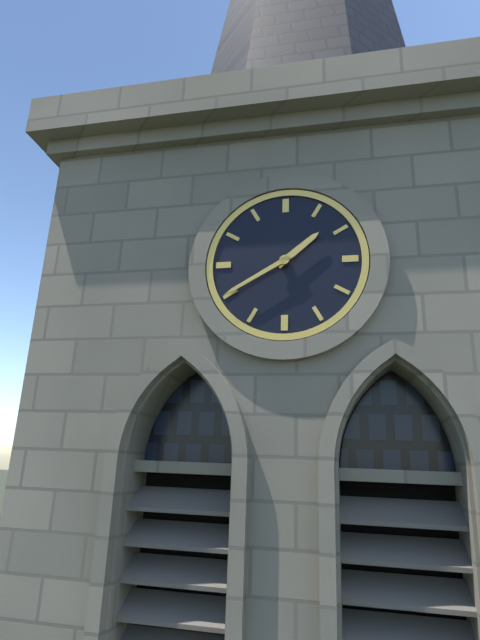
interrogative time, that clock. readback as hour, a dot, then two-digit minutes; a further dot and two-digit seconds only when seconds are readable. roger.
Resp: 1.40
